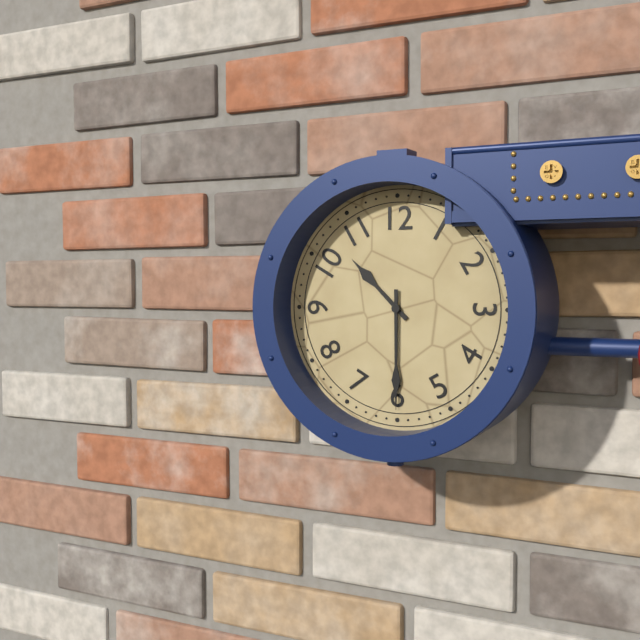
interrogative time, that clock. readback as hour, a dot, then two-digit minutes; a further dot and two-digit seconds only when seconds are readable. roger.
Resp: 10.30
